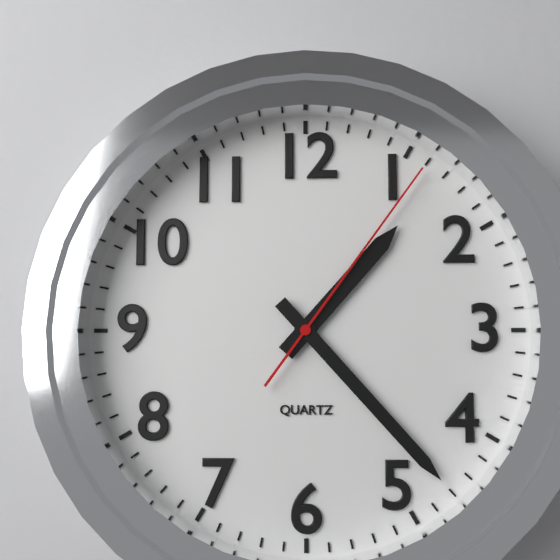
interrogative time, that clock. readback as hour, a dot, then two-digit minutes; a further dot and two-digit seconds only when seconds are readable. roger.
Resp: 1.23.06
